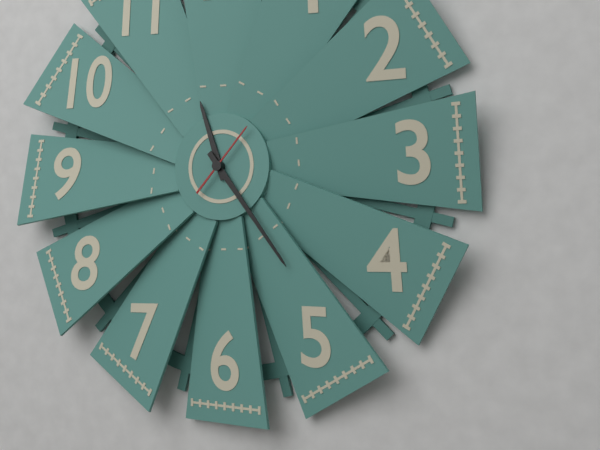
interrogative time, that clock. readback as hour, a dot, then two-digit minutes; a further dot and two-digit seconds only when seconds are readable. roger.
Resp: 11.24.07
